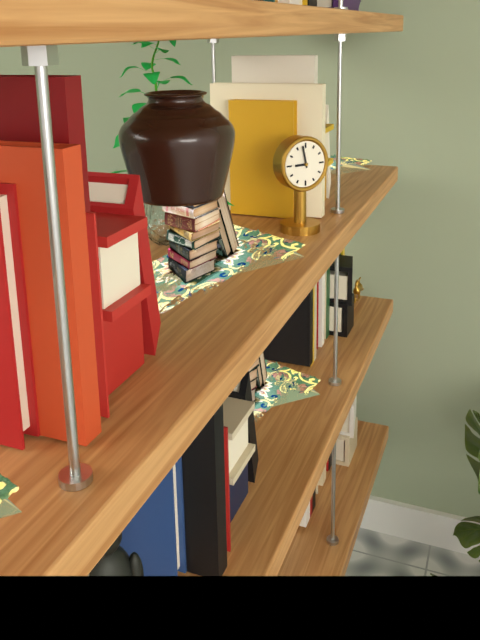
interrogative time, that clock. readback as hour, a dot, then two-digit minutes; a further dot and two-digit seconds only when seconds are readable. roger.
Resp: 8.58
